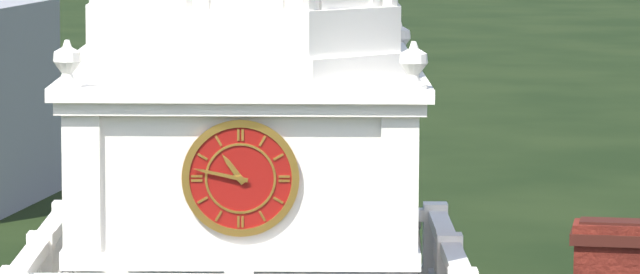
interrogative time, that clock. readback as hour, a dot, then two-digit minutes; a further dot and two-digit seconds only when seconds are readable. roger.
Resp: 10.47
